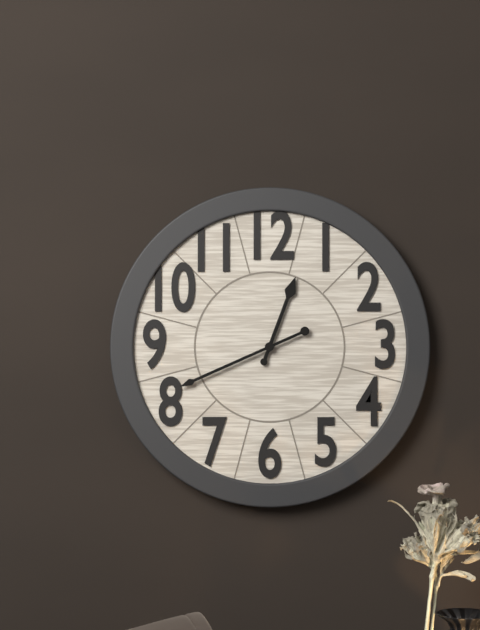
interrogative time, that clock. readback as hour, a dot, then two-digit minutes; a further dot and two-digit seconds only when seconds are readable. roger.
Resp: 12.41
